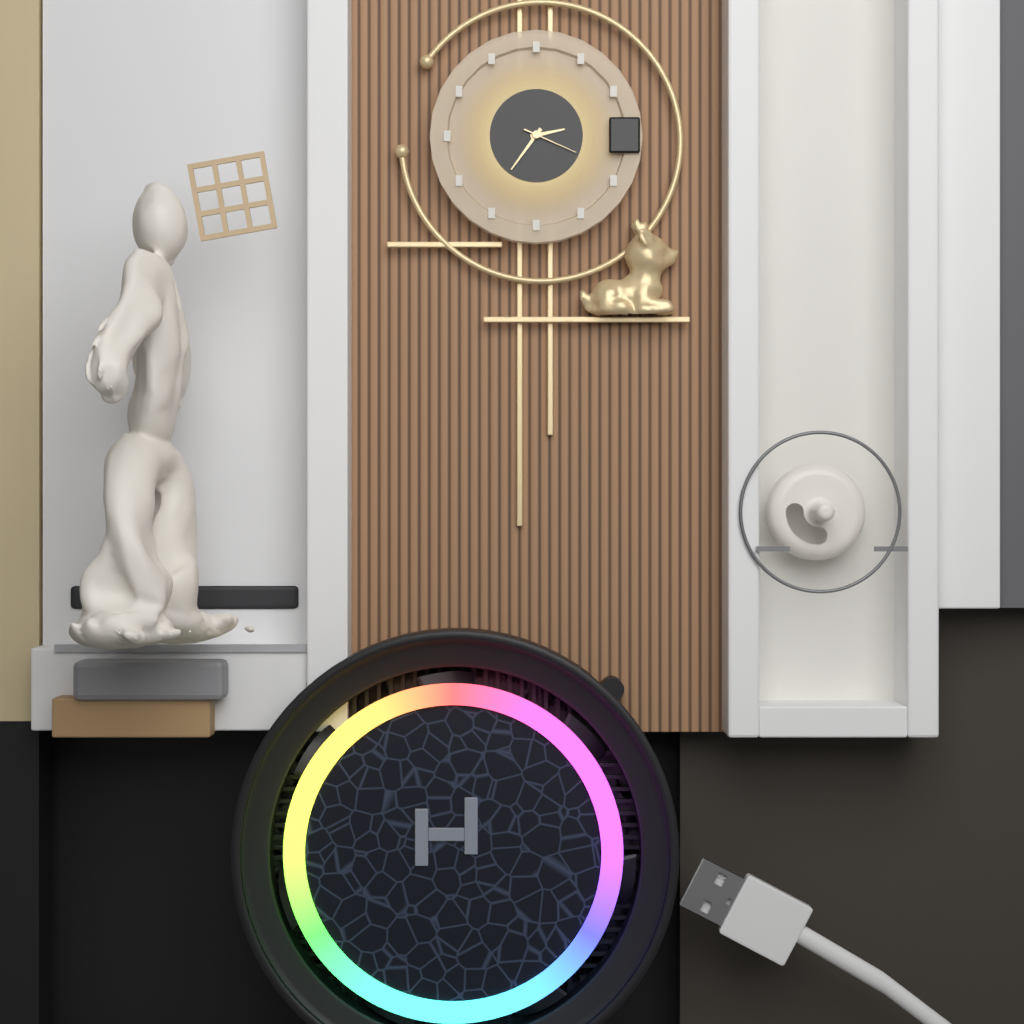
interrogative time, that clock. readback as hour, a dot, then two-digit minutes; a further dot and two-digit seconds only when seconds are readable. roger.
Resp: 2.36.19
